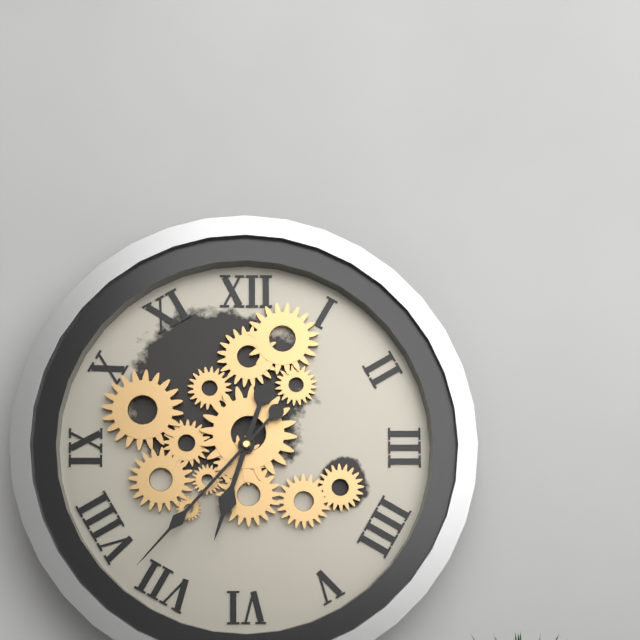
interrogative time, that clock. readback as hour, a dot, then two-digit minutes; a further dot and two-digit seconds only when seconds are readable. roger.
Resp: 6.37
